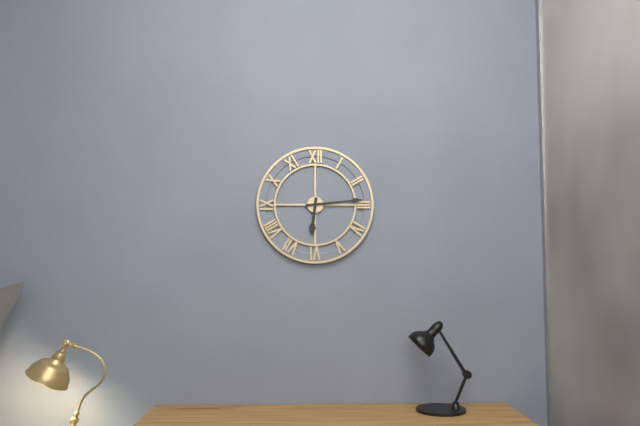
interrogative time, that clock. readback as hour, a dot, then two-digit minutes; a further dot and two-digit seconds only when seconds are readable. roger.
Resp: 6.14
